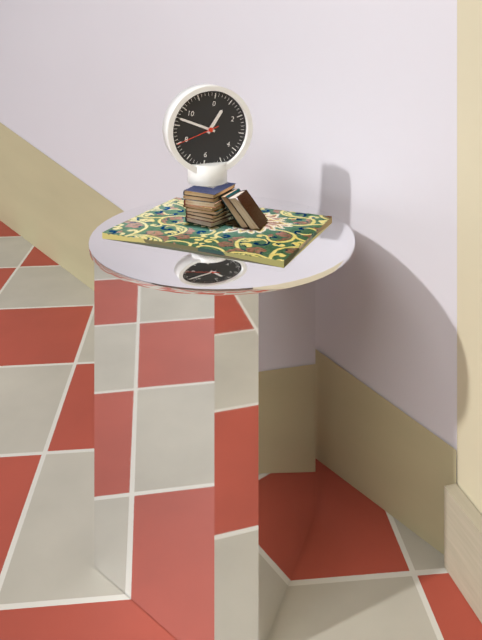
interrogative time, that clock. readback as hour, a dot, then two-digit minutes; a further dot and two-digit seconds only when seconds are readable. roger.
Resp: 12.47
